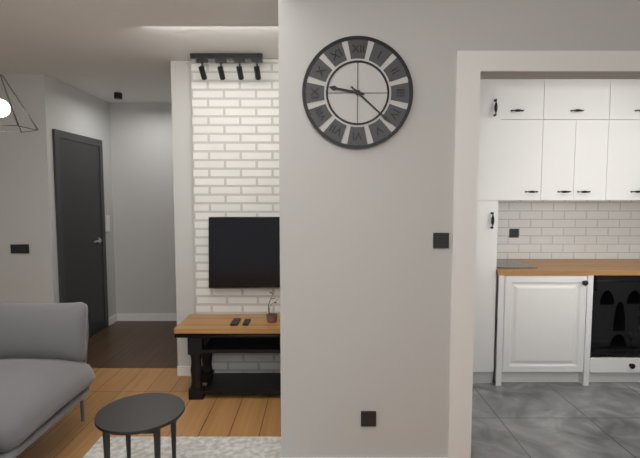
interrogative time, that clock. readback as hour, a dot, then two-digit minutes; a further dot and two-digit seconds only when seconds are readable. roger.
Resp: 9.22
